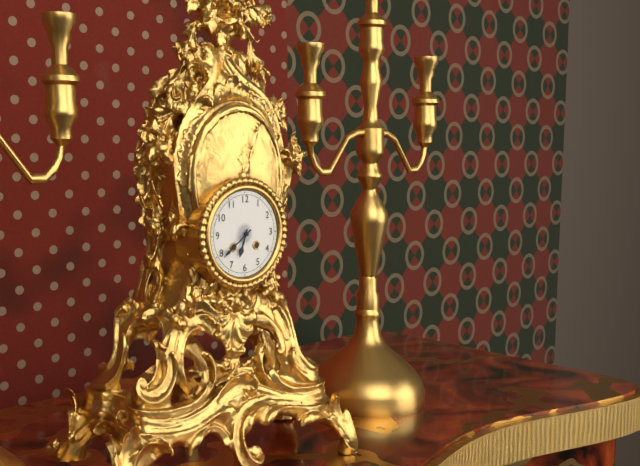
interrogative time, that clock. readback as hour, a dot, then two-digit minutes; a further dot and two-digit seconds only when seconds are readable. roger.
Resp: 6.39
